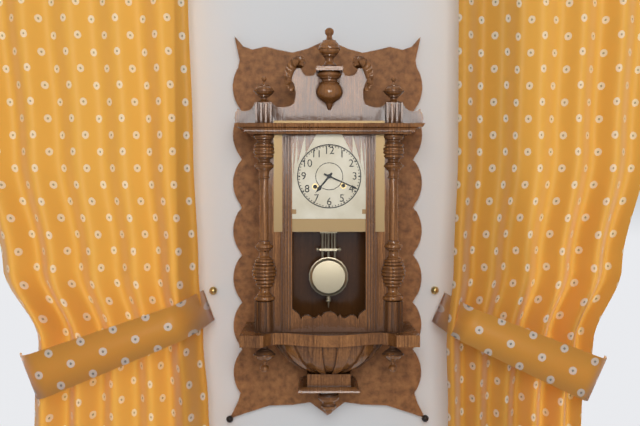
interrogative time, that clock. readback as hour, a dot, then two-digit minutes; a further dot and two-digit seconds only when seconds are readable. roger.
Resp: 7.19
